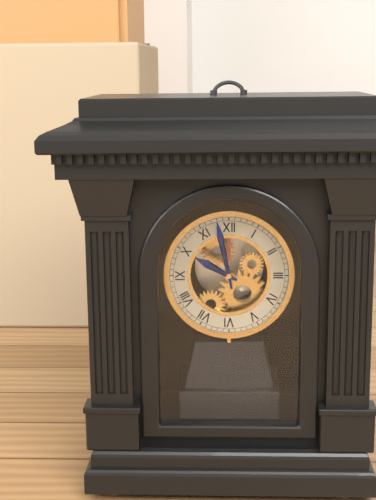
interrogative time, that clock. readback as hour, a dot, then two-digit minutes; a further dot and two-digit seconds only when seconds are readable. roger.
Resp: 9.58
